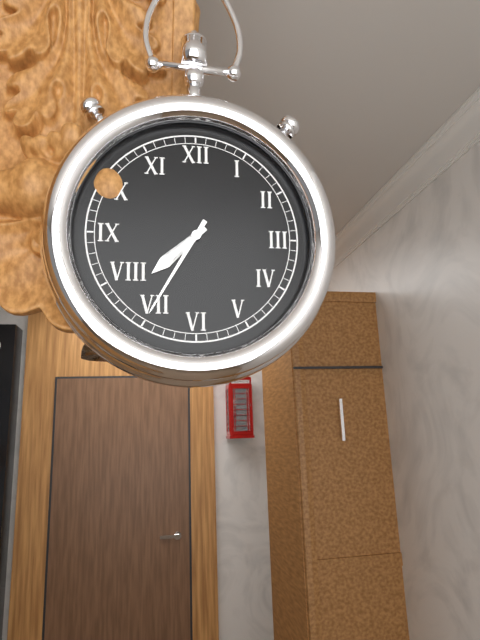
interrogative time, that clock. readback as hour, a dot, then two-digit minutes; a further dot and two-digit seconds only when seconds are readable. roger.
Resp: 7.35
